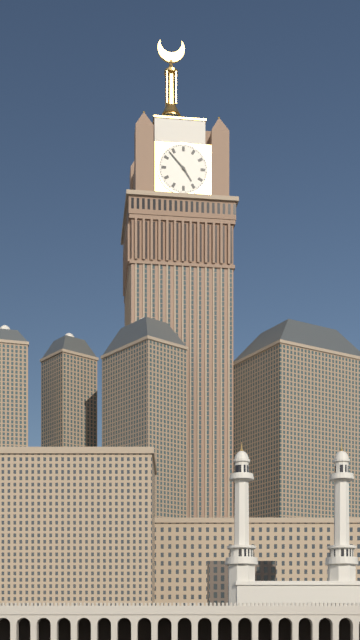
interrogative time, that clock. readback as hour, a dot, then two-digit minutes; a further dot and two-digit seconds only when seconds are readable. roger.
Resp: 4.53
